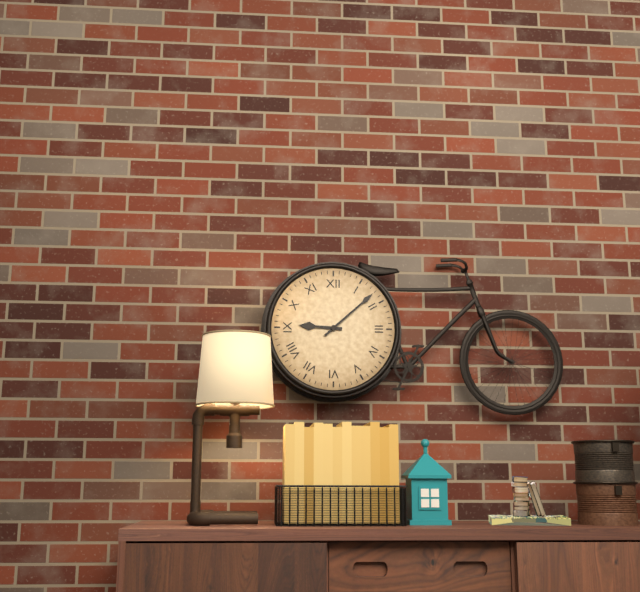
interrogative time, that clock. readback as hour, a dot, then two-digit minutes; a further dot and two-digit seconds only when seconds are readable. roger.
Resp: 9.08
